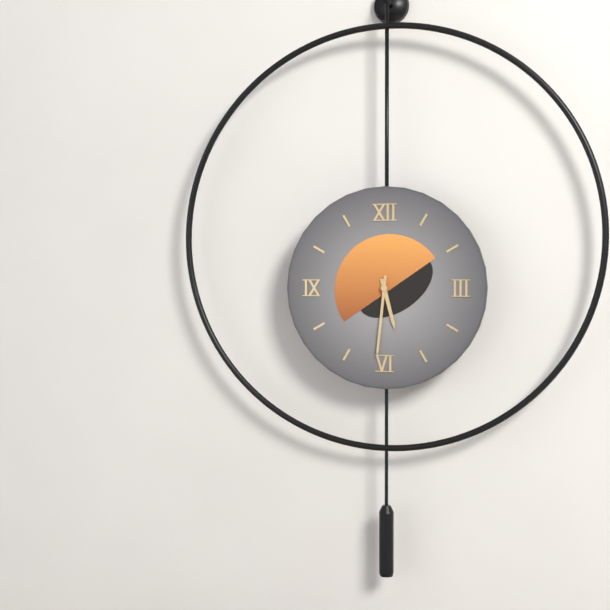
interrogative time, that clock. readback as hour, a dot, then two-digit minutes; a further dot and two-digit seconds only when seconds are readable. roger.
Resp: 5.31
